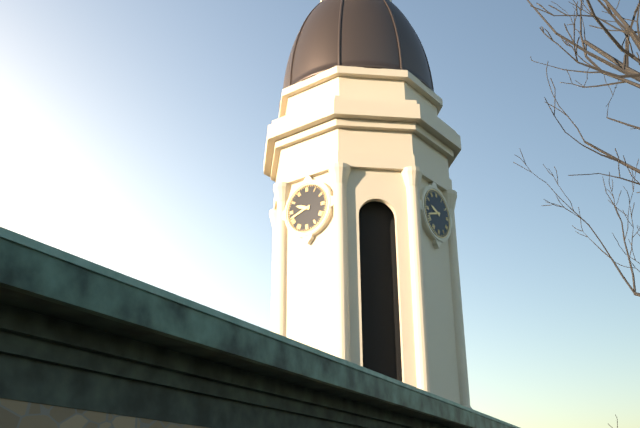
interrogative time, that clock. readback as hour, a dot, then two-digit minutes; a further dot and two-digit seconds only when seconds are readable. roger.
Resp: 9.42
